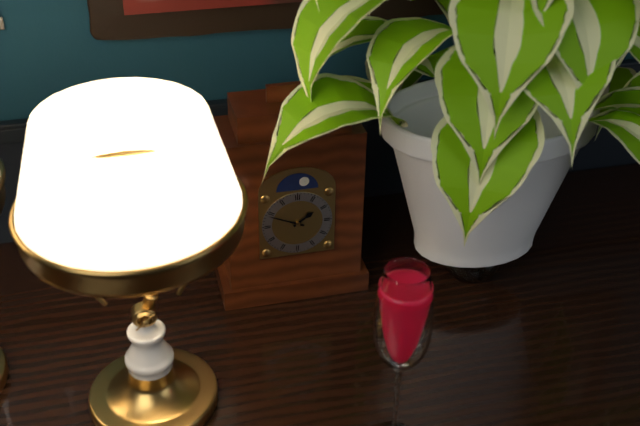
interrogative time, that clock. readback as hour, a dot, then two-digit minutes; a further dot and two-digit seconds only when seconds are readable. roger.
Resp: 1.49
